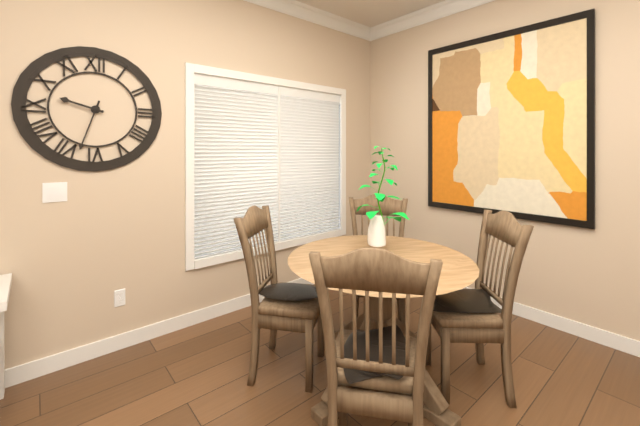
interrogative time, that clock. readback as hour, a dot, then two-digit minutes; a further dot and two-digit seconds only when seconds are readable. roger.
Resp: 9.33
